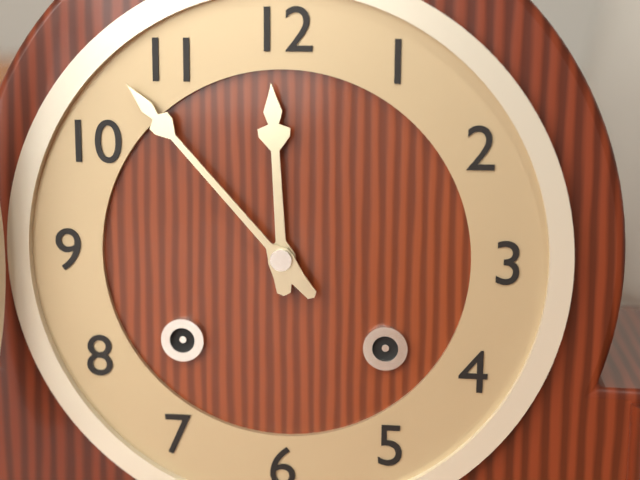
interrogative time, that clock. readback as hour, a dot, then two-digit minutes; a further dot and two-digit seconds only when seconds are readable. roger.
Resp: 11.53
